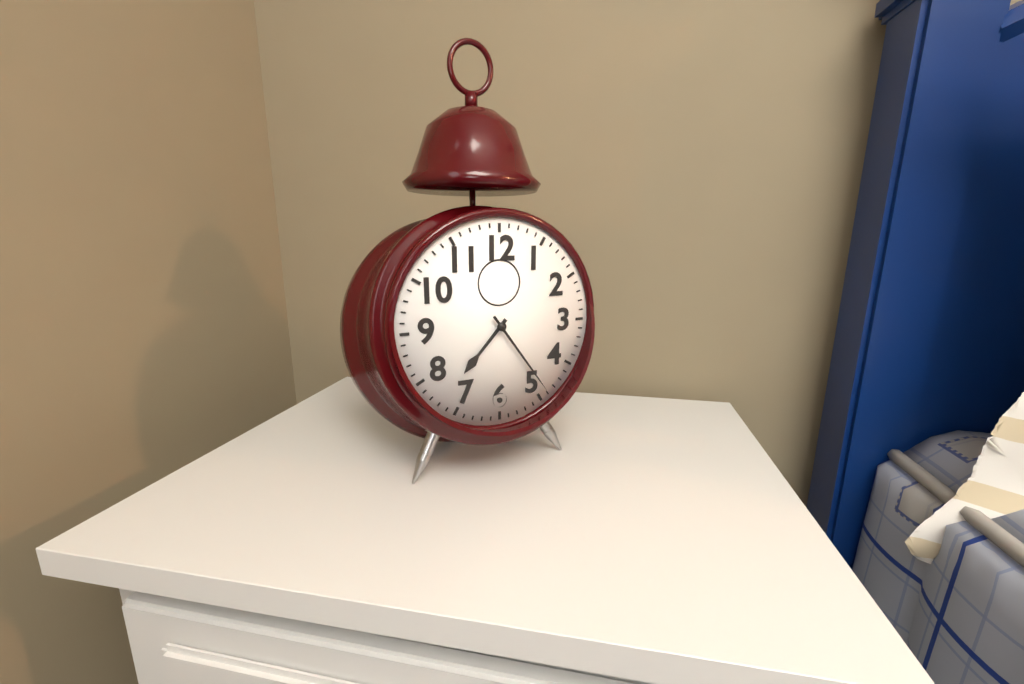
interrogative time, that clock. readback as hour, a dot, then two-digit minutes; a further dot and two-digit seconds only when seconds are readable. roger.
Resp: 7.24
